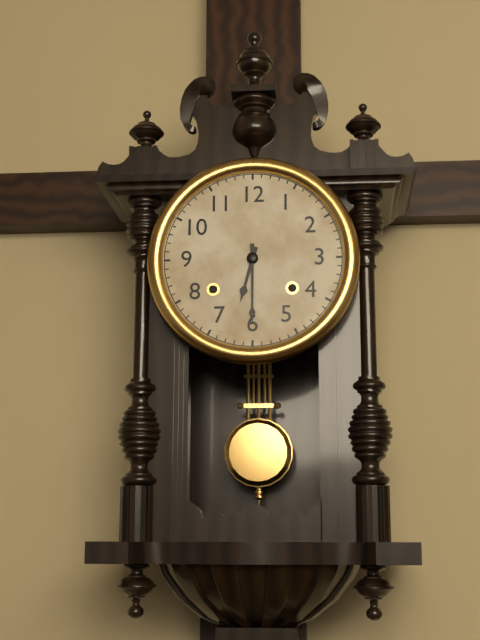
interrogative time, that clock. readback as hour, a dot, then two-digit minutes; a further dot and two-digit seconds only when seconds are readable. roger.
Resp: 6.30
